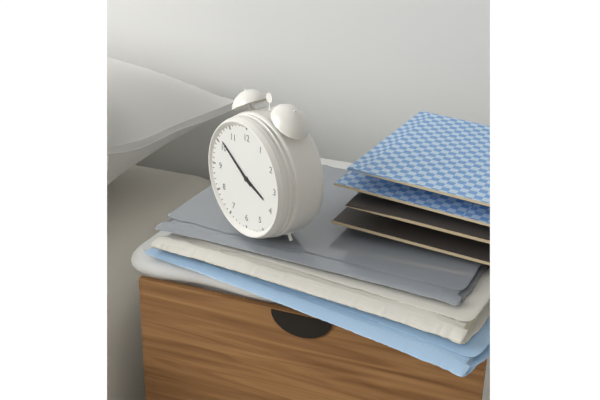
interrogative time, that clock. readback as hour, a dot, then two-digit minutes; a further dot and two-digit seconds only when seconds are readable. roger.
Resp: 3.51
